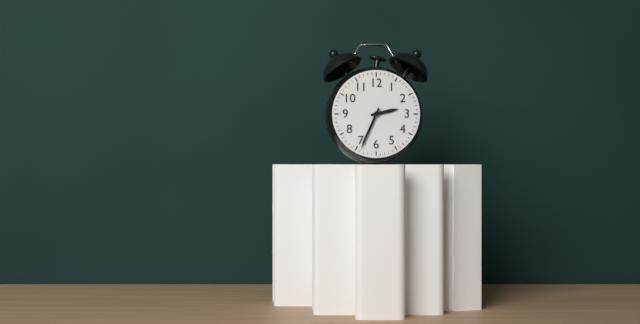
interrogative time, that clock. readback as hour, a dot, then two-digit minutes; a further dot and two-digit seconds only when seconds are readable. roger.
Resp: 2.34
